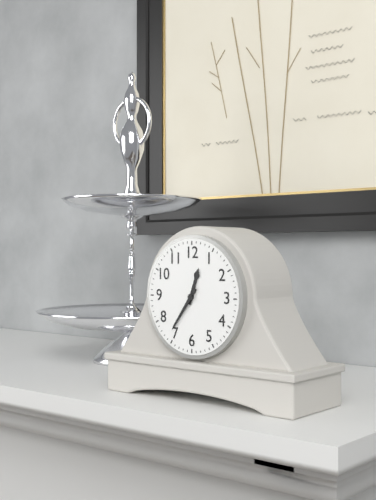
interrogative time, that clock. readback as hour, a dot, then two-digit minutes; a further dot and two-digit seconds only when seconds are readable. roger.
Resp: 12.36
